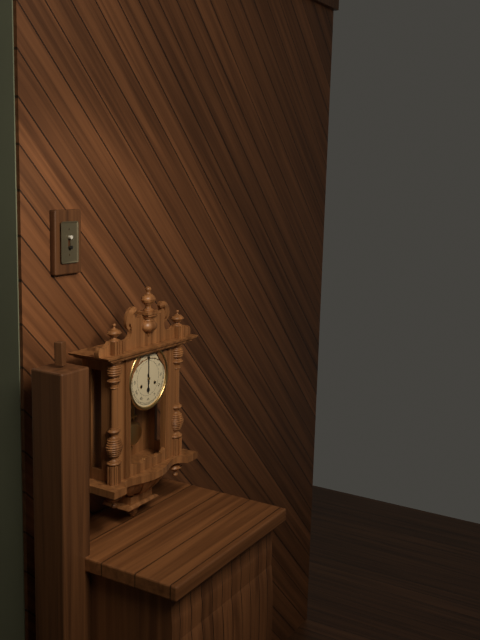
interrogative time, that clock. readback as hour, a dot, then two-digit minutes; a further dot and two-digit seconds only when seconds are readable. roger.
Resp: 6.00
